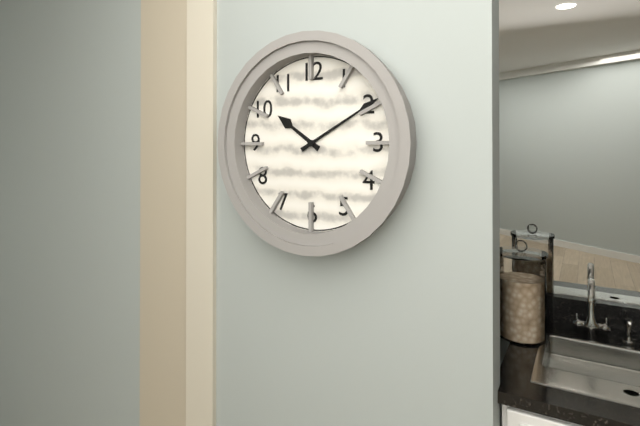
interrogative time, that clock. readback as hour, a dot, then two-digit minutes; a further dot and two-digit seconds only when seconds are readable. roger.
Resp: 10.10
